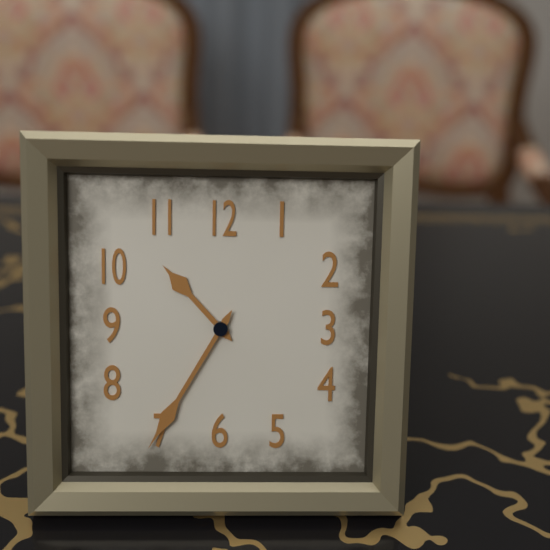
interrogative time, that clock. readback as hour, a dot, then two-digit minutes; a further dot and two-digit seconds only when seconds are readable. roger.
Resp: 10.35
